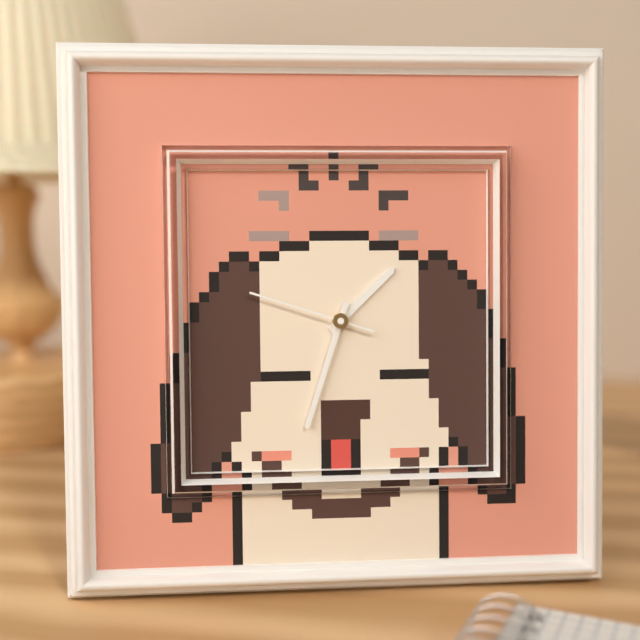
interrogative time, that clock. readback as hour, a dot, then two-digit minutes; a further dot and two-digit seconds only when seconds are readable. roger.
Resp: 1.33.48
